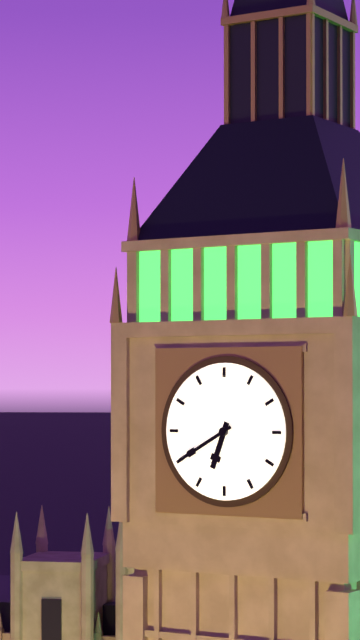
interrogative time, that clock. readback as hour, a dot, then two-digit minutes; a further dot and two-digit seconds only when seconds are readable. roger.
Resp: 6.40
